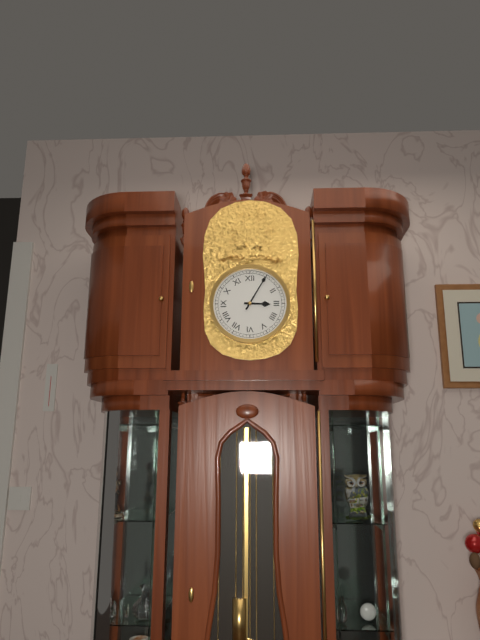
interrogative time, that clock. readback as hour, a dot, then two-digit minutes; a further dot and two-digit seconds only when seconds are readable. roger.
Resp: 3.05
